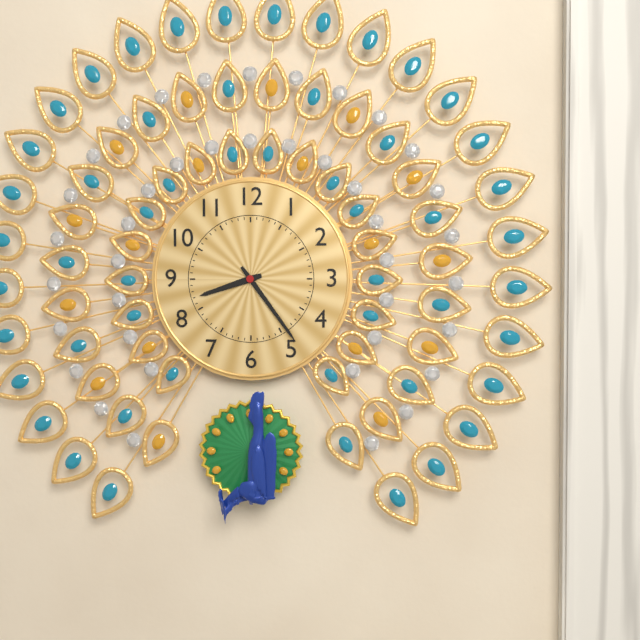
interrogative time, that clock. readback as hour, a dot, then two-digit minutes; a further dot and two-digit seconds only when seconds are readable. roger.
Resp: 8.24
